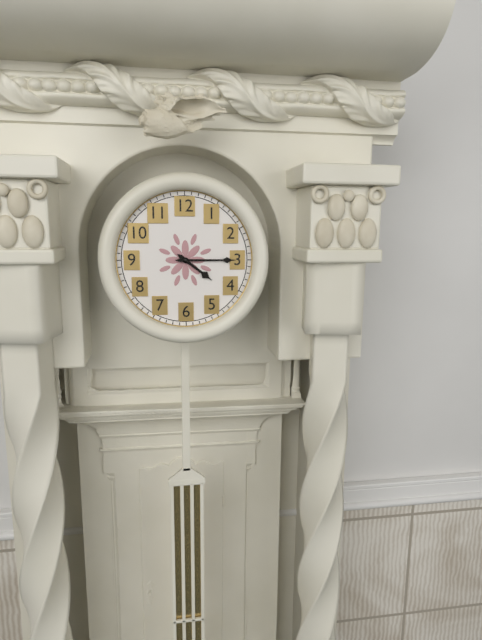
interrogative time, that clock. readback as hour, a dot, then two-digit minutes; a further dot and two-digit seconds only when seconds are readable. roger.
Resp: 4.15
